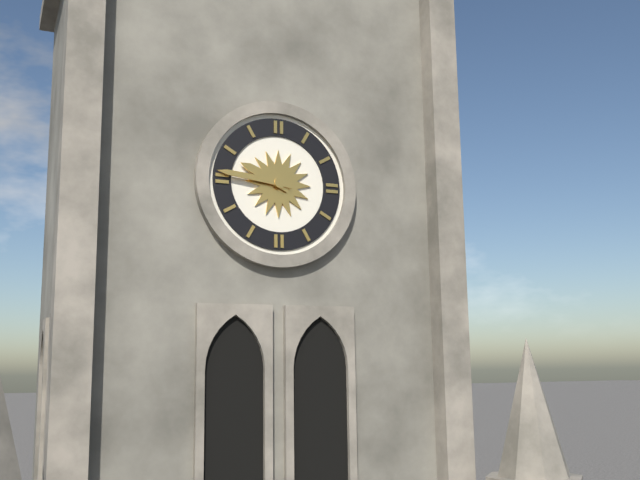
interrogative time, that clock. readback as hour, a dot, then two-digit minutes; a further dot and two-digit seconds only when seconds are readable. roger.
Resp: 9.46
